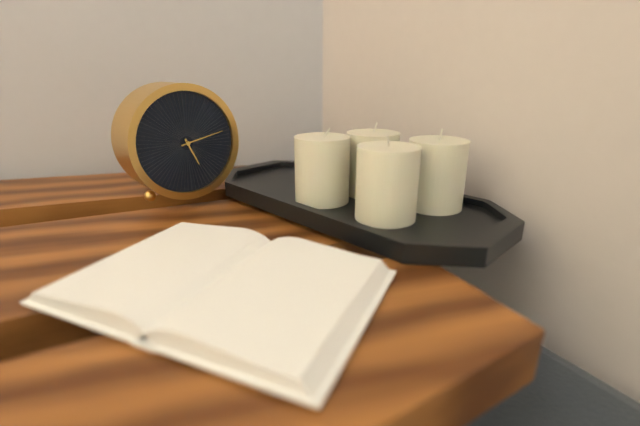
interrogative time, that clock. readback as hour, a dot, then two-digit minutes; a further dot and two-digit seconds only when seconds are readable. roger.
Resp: 5.13
